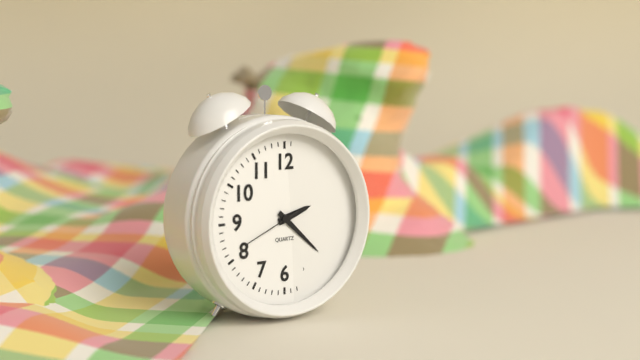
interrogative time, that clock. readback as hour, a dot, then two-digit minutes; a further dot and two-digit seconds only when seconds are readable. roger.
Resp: 2.22.41
